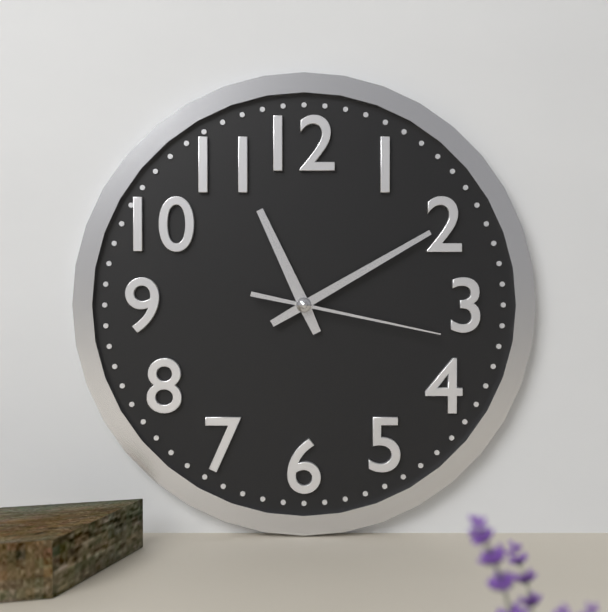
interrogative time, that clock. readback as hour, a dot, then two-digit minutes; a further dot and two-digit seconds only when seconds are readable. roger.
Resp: 11.10.17
